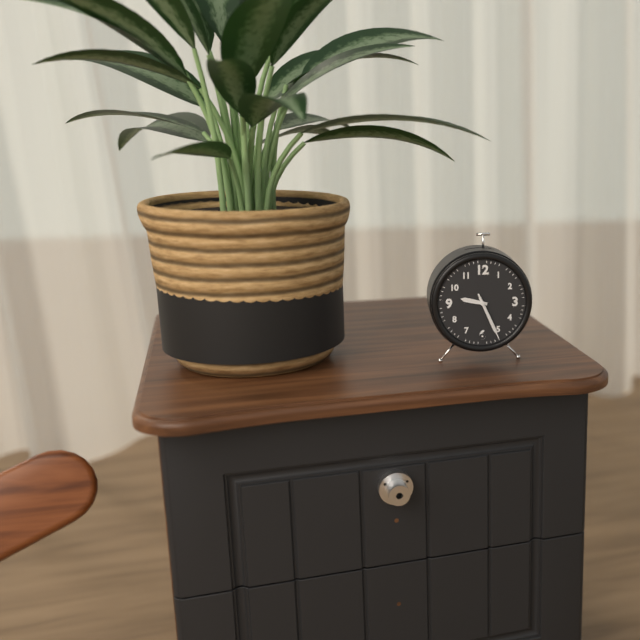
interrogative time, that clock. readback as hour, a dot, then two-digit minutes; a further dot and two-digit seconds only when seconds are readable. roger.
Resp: 9.26
